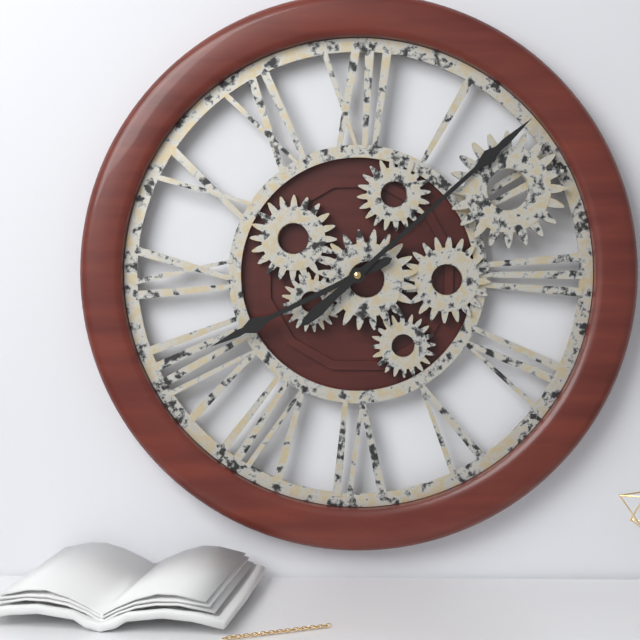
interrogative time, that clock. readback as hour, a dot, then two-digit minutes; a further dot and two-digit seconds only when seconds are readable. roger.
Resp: 8.08
